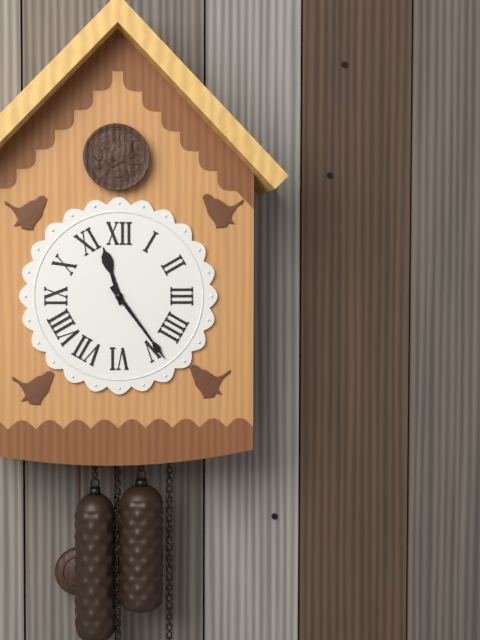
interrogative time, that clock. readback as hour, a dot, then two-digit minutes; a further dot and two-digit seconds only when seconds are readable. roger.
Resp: 11.24
